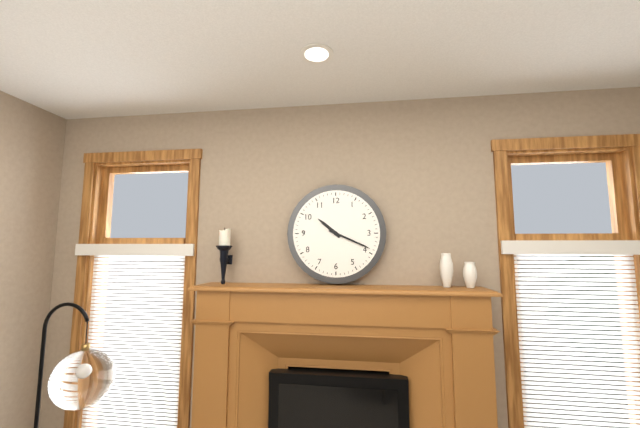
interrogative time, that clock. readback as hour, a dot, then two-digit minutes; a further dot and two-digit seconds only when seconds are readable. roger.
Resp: 10.19
